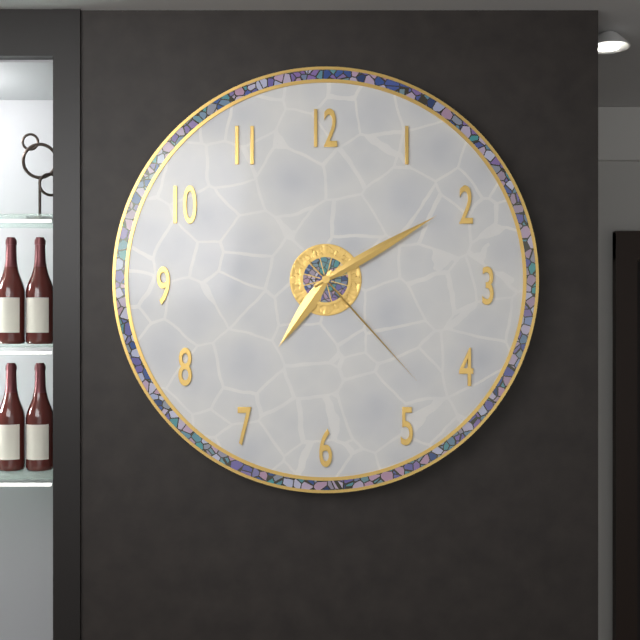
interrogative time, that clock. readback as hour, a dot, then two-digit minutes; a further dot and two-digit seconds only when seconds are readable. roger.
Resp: 7.10.23
